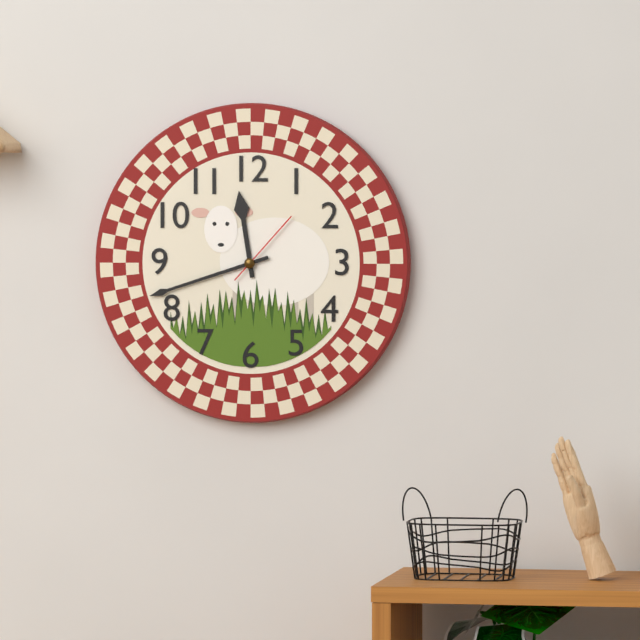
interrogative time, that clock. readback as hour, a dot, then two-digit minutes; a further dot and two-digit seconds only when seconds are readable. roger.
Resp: 11.42.07
